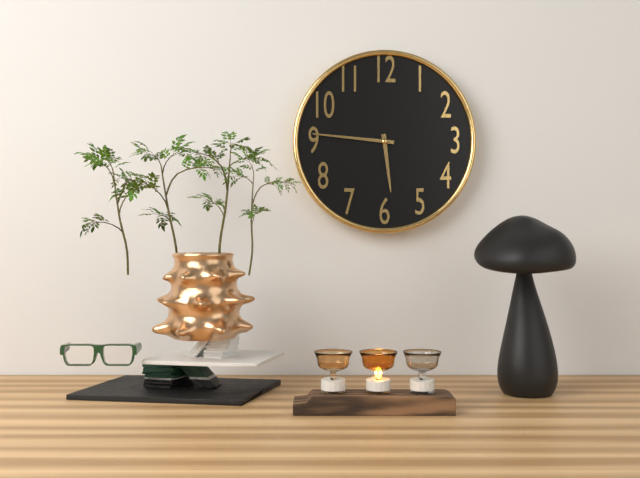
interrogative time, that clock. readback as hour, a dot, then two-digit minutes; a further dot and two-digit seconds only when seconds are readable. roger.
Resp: 5.46
